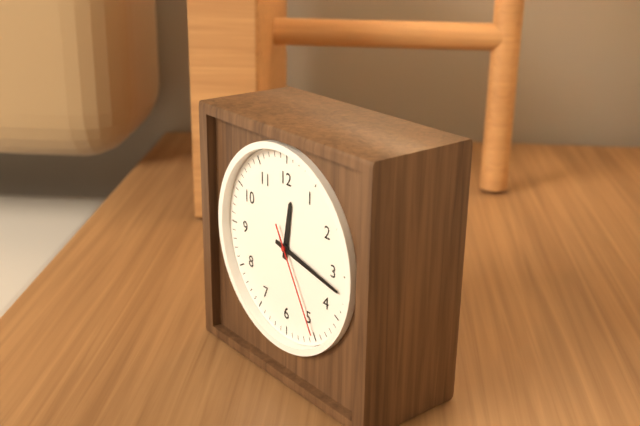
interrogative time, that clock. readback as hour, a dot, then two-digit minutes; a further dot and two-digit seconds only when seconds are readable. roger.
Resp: 12.17.25
